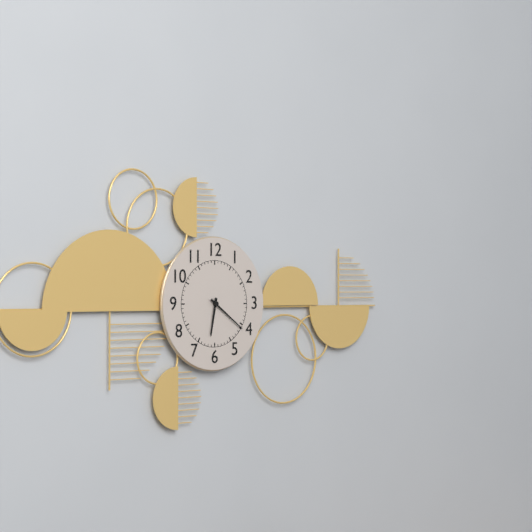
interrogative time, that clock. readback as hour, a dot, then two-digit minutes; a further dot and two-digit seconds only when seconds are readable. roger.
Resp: 6.21
